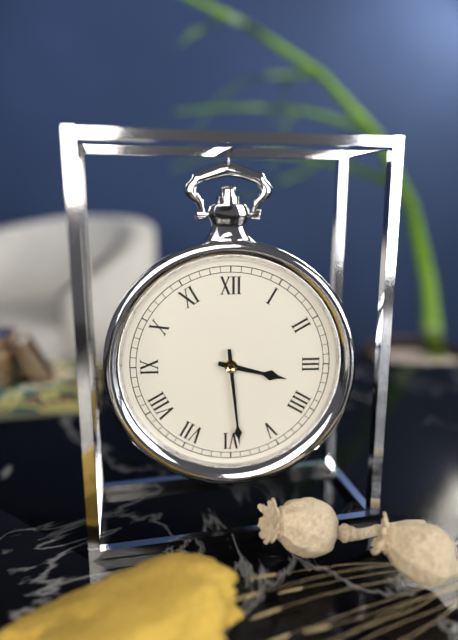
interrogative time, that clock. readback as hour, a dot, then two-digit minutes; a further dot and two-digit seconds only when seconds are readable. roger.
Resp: 3.29
